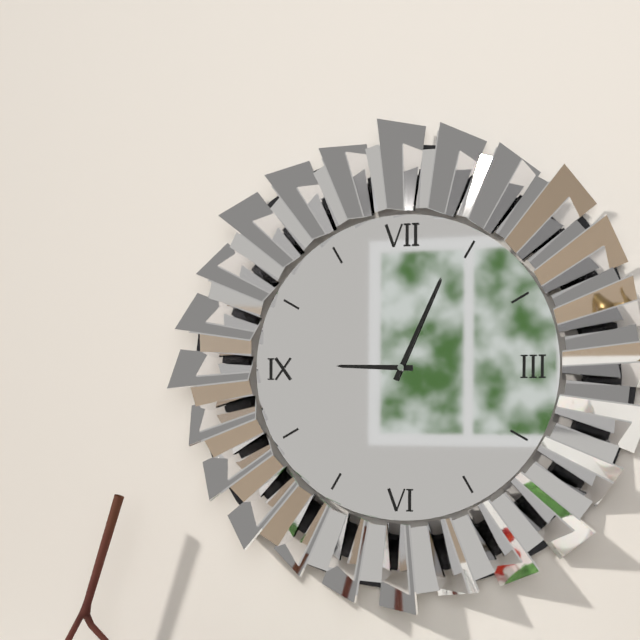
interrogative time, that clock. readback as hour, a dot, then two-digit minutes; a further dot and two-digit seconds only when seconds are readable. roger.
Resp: 9.04
